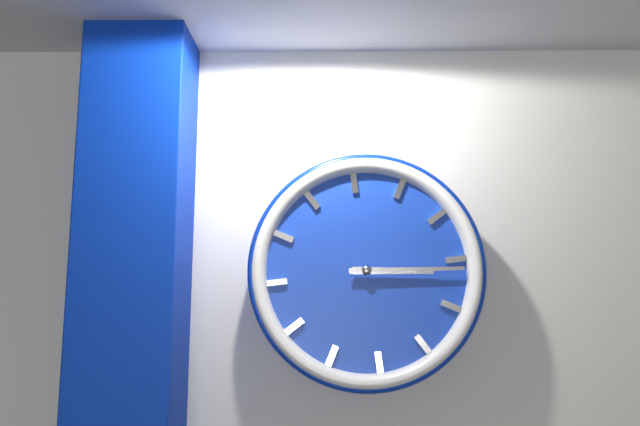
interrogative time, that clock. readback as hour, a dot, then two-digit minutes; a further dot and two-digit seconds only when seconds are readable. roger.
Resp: 3.16
